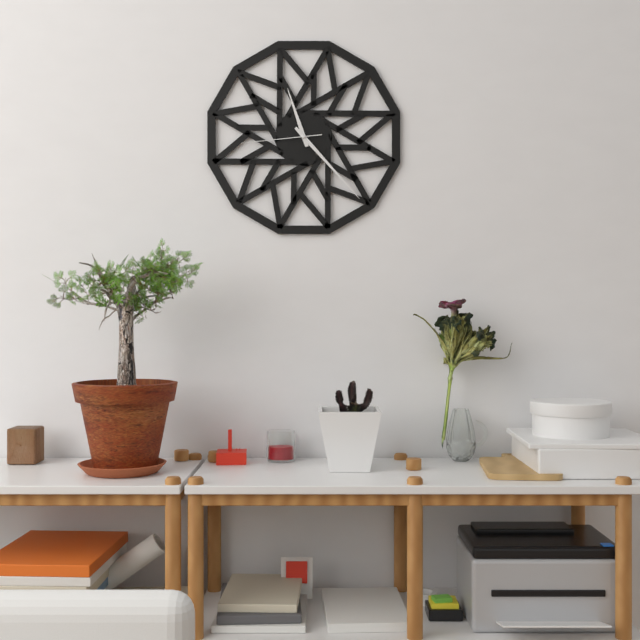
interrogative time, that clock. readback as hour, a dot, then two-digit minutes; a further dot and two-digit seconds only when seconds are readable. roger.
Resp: 11.23.44
